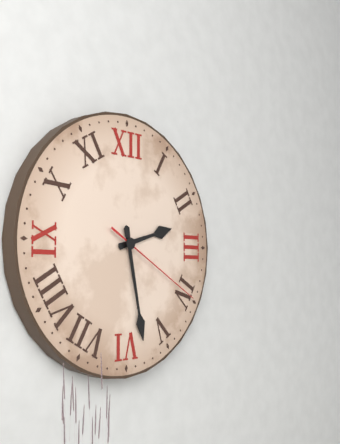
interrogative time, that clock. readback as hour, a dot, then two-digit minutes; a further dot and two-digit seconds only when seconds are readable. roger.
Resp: 2.28.20
